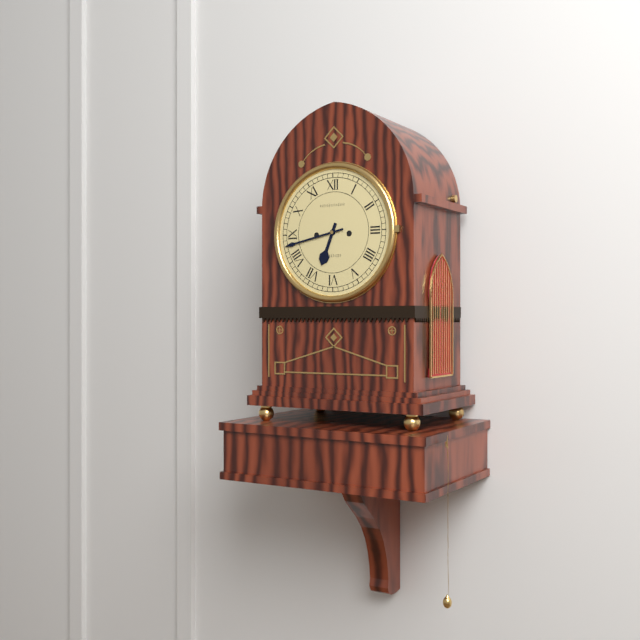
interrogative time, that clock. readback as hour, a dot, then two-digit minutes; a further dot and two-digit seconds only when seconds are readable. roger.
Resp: 6.43
